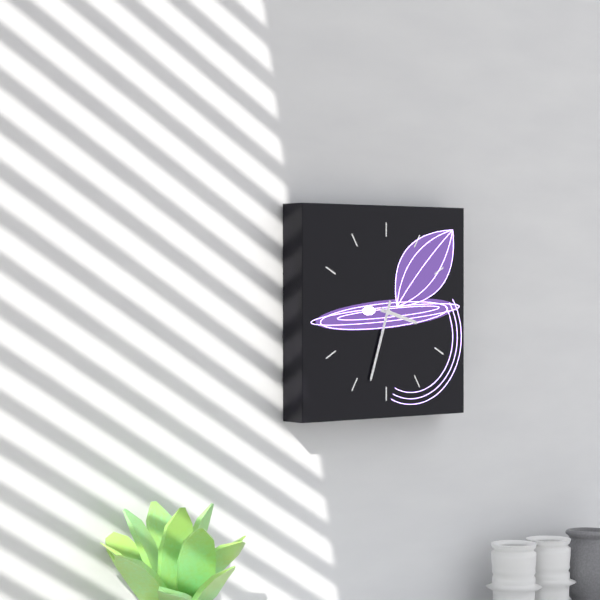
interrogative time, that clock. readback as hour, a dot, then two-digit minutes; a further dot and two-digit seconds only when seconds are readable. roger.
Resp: 3.33
